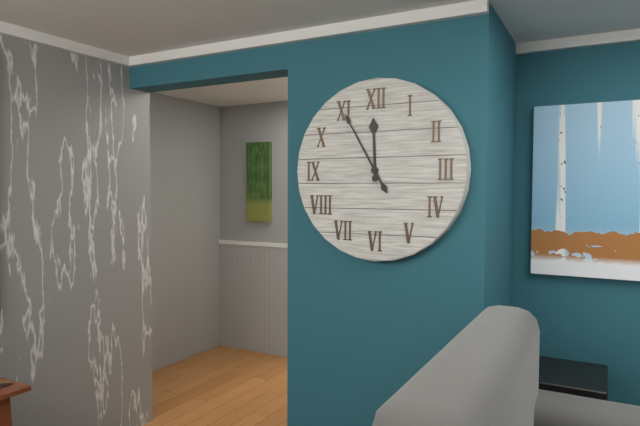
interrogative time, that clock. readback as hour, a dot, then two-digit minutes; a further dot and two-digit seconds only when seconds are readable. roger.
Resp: 11.55
